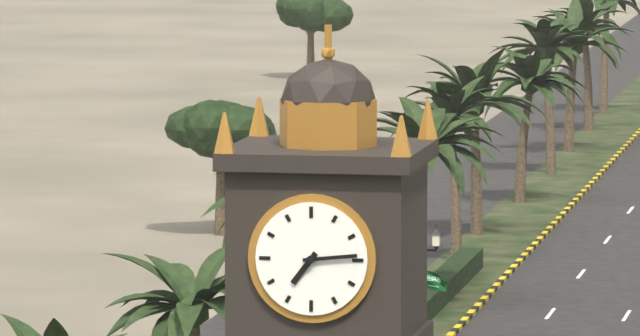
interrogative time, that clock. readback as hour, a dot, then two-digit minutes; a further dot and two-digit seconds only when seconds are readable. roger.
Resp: 7.14
